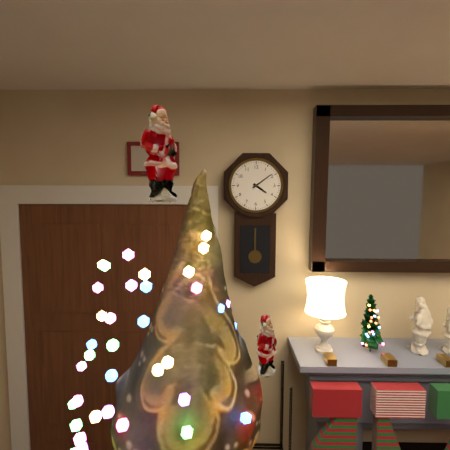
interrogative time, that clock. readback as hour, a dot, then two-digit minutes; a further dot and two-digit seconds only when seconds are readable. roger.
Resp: 4.09
